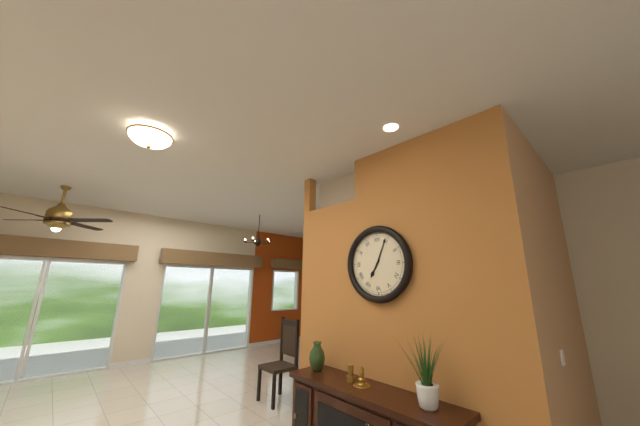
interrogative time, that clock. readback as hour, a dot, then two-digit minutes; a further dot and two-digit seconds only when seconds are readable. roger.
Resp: 7.04
